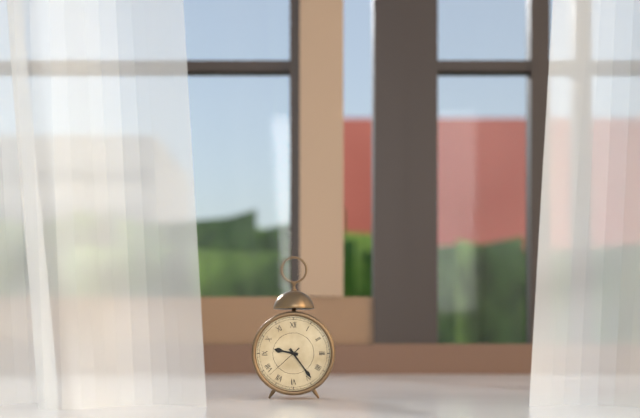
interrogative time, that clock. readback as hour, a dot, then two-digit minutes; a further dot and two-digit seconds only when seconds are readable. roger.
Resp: 9.24
